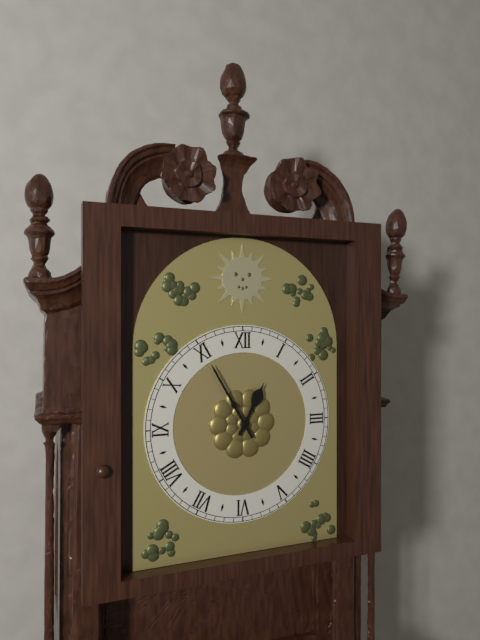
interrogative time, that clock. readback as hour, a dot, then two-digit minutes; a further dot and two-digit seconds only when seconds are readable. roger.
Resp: 12.55
